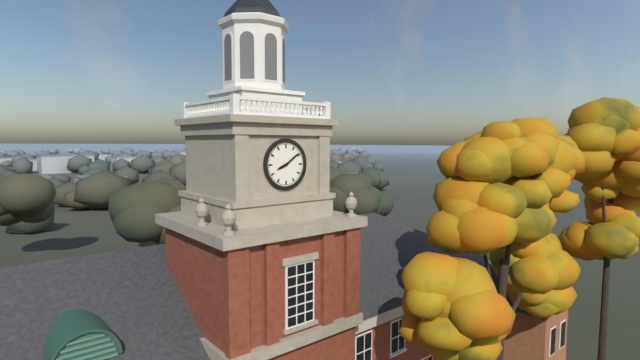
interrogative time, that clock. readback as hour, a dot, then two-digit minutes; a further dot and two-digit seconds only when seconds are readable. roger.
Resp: 8.09
